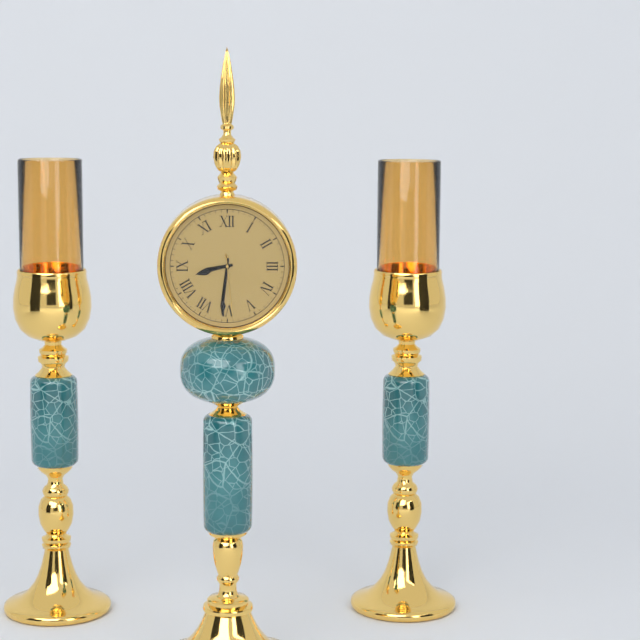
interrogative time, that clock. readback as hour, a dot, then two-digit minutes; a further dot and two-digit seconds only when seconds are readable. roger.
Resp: 8.31.29
